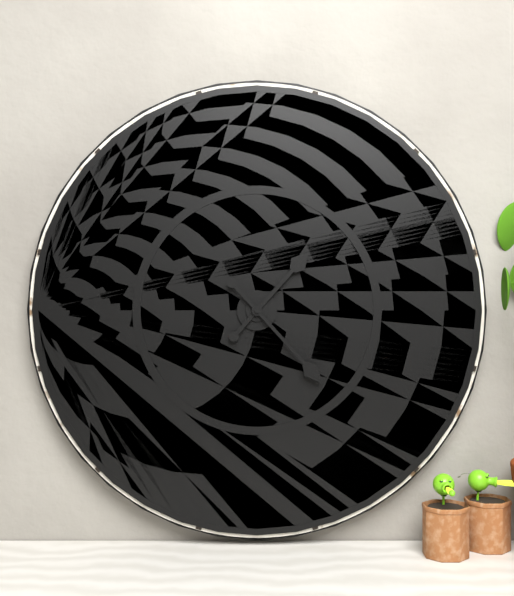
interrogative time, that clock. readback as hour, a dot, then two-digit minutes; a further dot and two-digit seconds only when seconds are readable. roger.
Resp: 1.23
